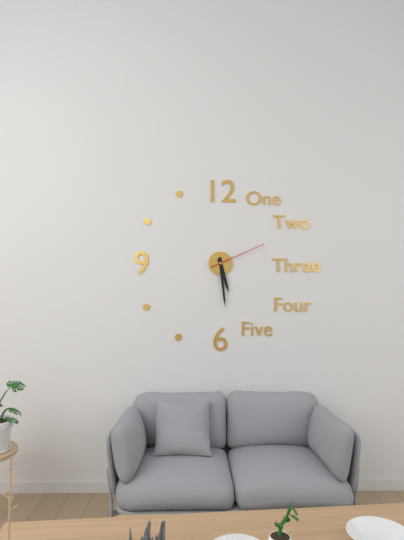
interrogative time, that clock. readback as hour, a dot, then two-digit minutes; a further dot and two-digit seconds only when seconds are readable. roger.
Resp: 5.29.11
